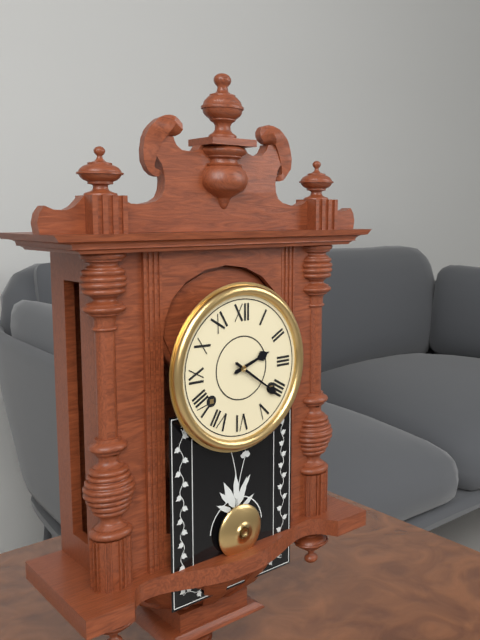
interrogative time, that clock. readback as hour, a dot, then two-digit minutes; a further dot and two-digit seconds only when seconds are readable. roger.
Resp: 2.21
